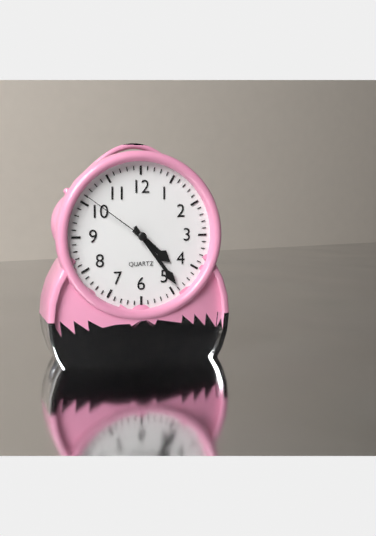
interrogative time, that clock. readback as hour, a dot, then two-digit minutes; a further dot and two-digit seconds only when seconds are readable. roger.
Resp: 4.24.51
